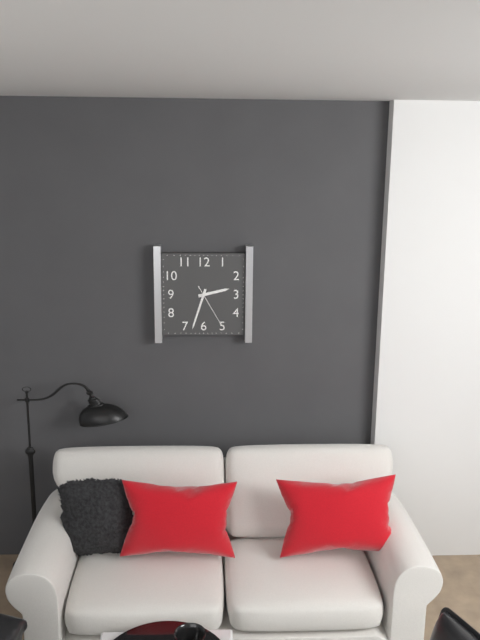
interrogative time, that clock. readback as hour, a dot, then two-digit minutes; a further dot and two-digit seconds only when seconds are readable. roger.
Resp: 2.33
